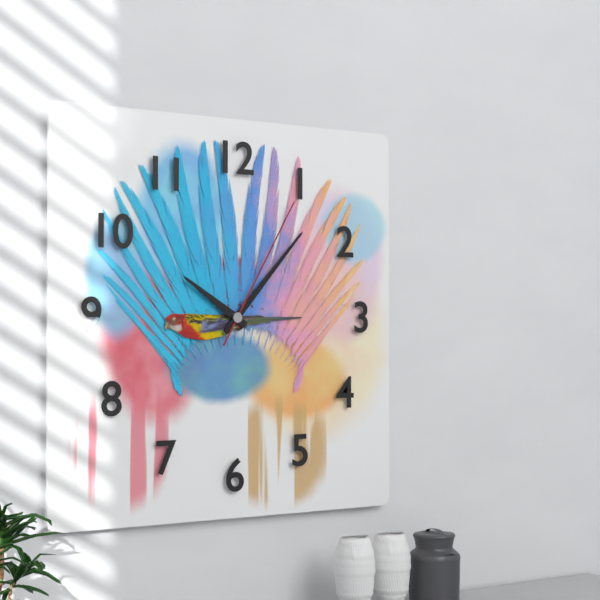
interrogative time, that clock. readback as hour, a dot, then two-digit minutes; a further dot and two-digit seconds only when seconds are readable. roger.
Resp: 10.07.05
